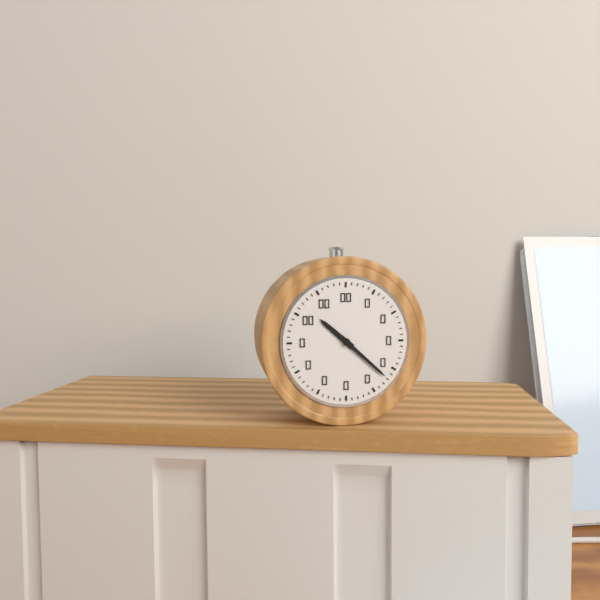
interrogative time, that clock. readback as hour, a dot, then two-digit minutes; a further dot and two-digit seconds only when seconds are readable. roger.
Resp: 10.22
